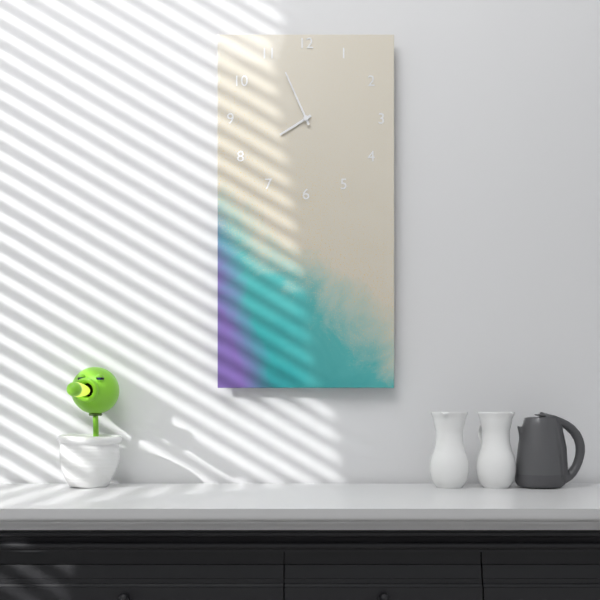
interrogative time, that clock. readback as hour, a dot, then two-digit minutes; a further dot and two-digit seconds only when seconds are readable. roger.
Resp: 7.56
